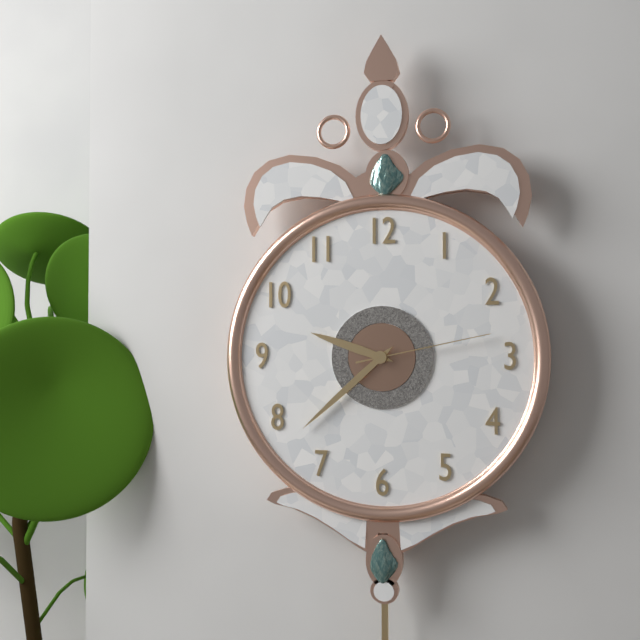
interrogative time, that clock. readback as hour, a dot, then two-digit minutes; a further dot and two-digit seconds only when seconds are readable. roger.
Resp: 9.38.13
